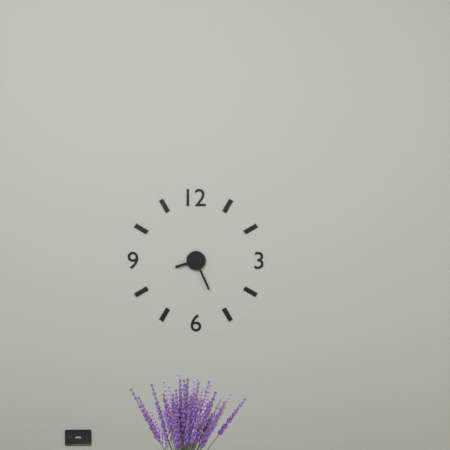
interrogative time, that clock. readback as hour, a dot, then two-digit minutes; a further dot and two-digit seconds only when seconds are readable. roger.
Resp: 8.26
